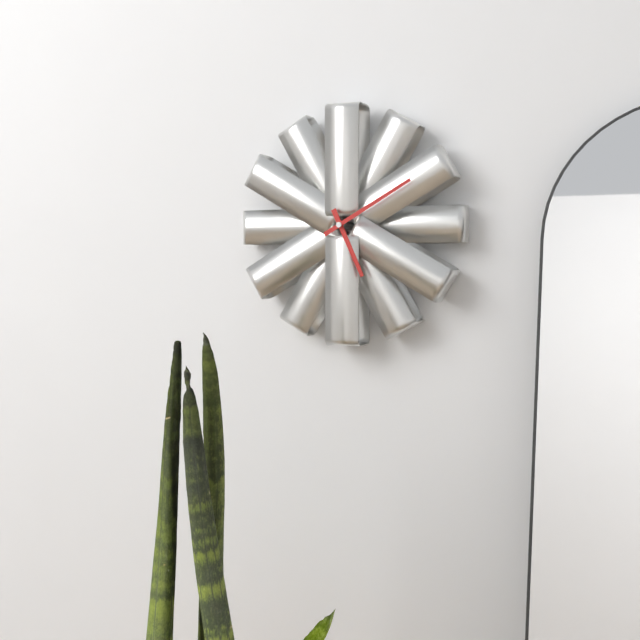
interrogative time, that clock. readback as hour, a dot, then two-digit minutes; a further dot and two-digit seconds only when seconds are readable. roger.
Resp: 5.10
